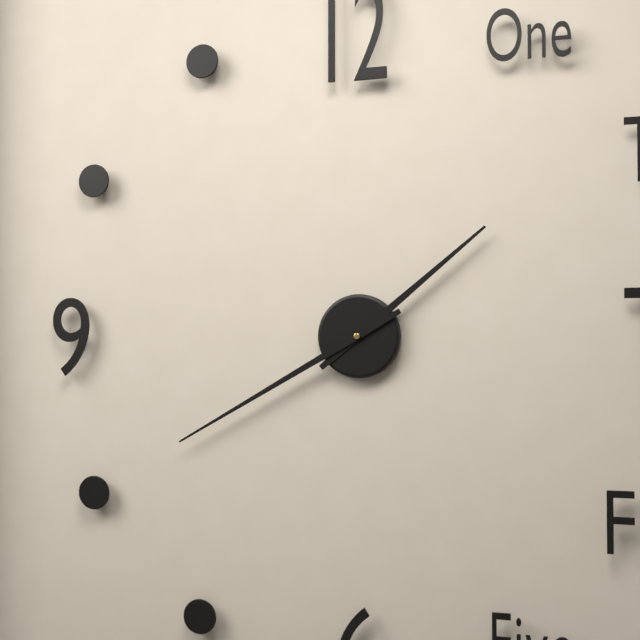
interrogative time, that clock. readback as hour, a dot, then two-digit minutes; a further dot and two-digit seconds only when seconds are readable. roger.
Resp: 1.40
